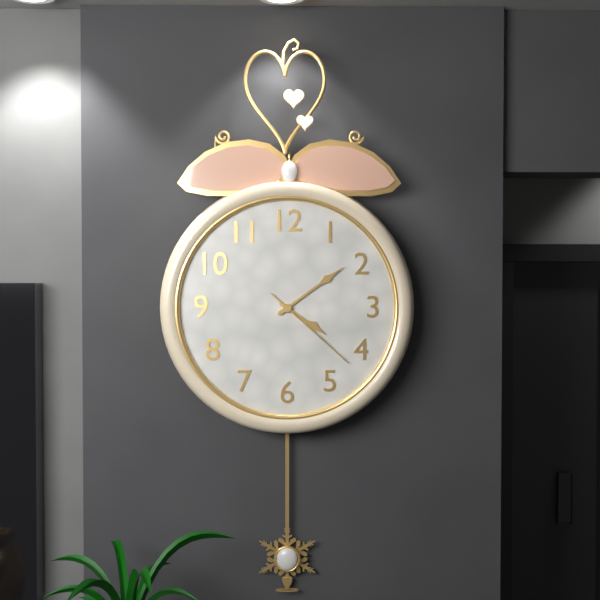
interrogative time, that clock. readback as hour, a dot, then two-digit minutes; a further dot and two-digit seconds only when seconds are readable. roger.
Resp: 4.09.22
